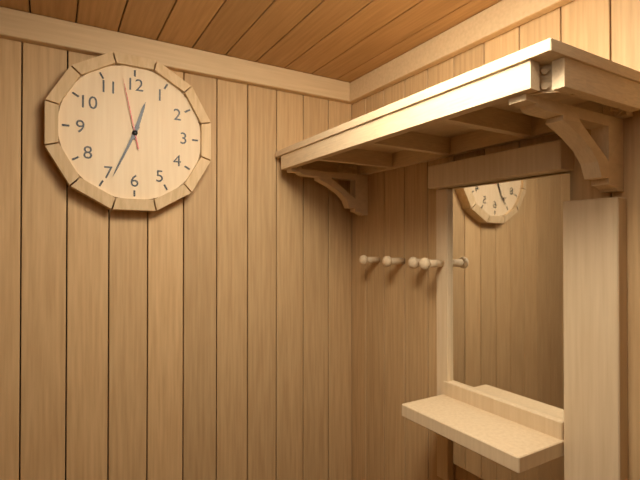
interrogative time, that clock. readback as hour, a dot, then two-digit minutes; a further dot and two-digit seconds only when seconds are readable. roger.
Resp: 12.34.58
